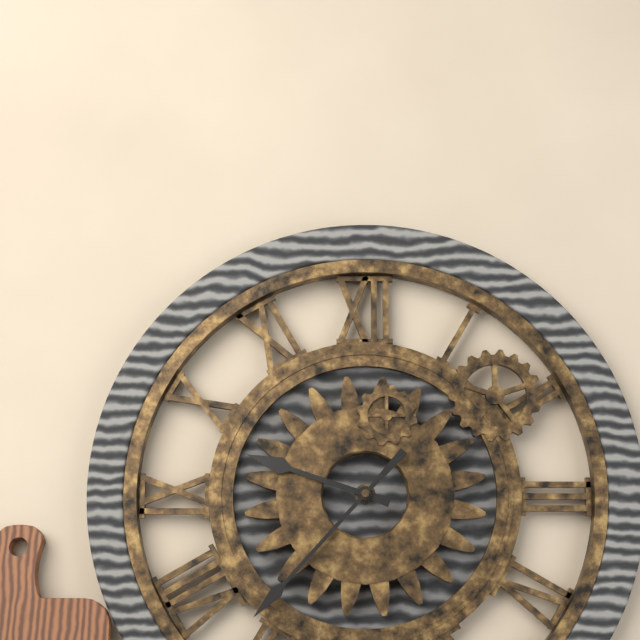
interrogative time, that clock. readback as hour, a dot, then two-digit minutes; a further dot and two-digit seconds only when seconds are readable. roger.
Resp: 9.37
